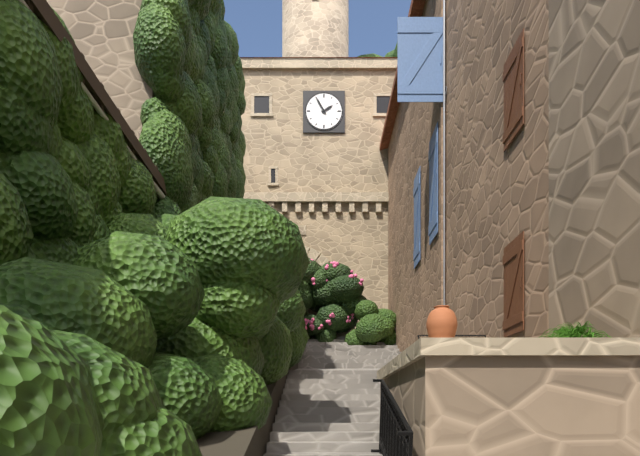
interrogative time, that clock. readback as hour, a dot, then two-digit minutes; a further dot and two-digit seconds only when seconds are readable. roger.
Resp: 1.55
